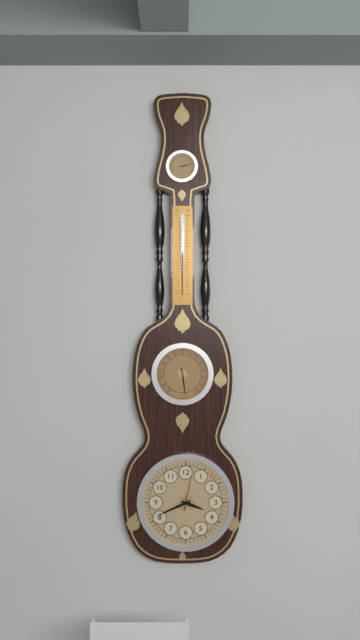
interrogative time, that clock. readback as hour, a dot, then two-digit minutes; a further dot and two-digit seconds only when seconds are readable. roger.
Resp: 3.41
